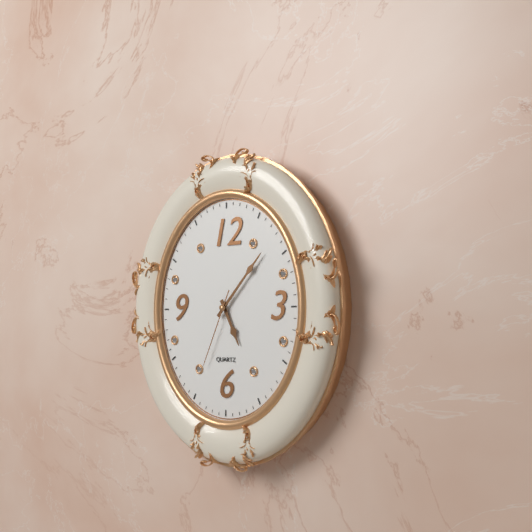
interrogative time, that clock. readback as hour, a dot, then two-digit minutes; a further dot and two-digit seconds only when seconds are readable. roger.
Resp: 5.07.34
